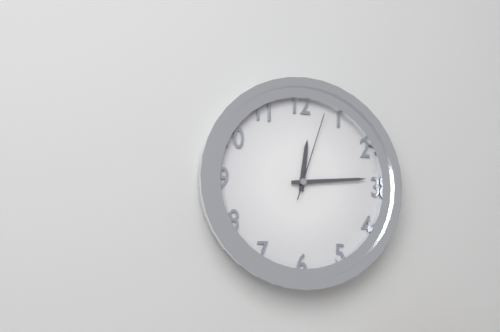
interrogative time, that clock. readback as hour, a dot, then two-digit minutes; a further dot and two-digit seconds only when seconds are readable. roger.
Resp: 12.14.03
